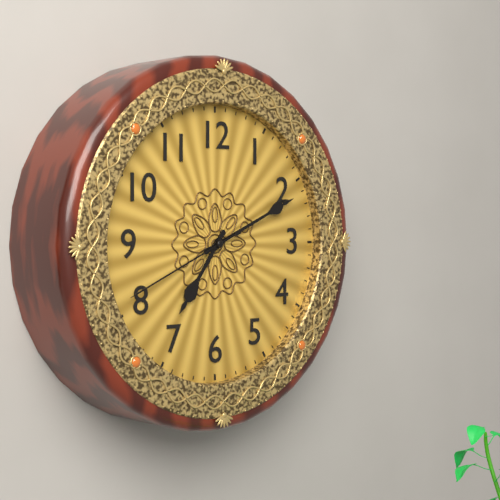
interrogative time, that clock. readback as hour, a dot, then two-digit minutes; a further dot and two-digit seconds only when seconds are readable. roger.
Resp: 7.11.41
